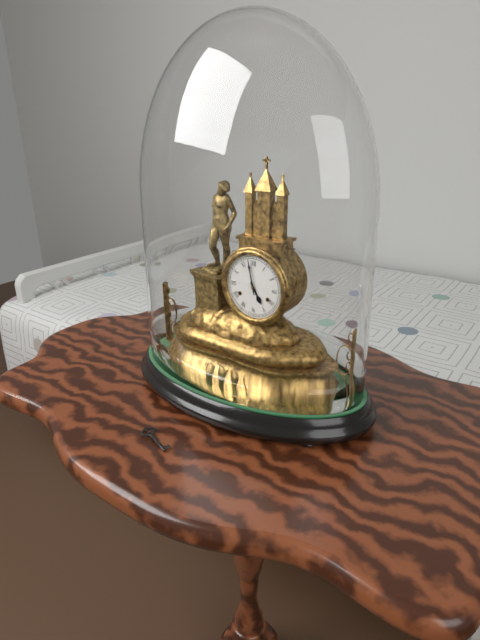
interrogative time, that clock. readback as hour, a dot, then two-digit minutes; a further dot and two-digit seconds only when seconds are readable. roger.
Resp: 4.58
